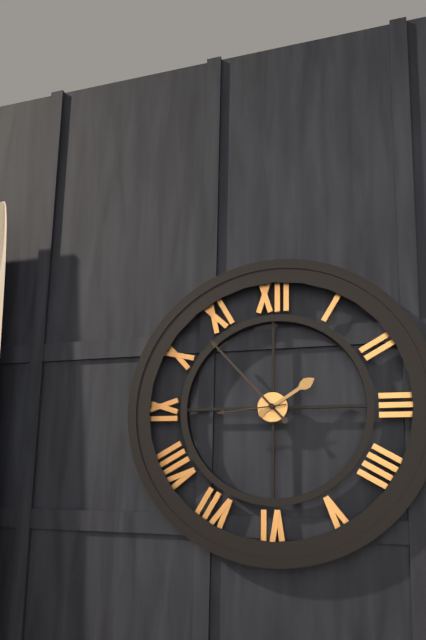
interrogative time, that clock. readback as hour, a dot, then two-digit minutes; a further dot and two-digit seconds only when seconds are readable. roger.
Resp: 1.53.44
